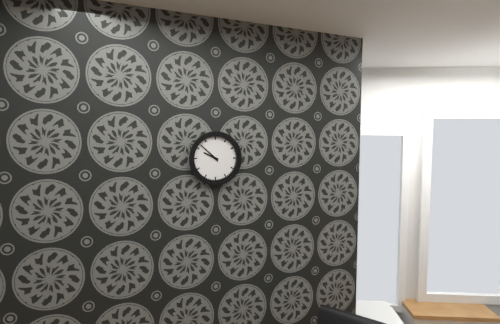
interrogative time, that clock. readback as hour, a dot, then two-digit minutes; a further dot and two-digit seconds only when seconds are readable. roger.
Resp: 9.52
